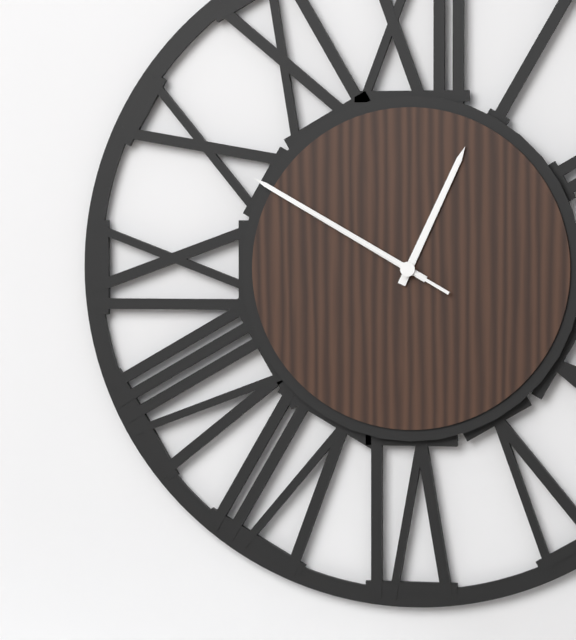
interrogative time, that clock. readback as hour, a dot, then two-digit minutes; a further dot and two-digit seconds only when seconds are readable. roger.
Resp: 12.50.50
